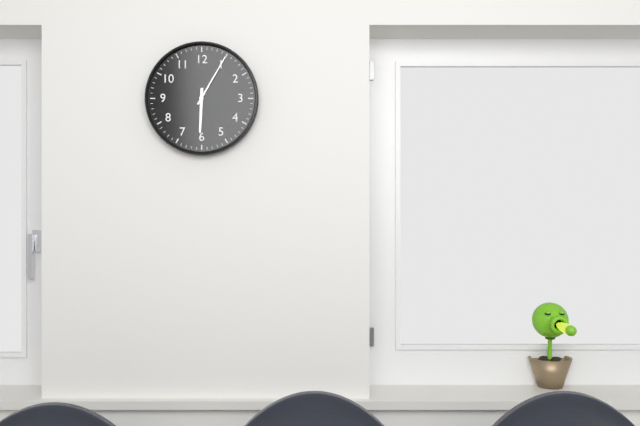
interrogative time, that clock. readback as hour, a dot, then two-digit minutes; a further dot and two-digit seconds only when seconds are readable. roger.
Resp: 6.05
